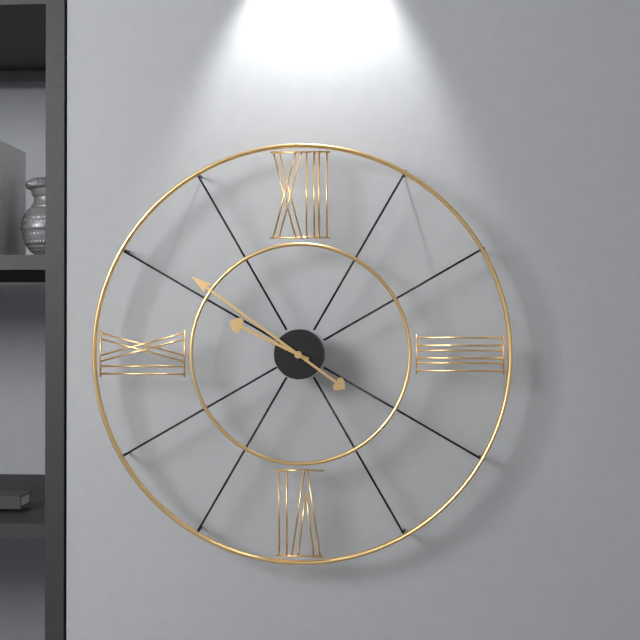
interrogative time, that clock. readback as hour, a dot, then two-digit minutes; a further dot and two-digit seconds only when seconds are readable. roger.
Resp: 9.51
